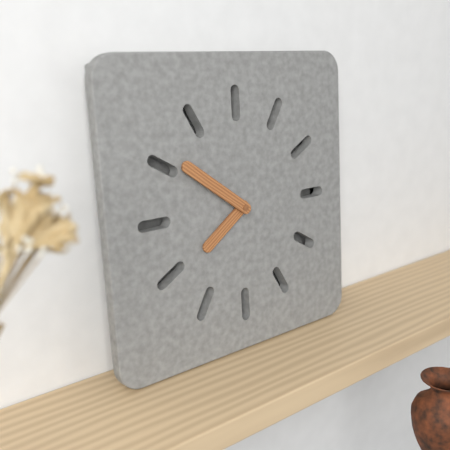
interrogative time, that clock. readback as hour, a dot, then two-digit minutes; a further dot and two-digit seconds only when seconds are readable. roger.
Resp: 7.51
